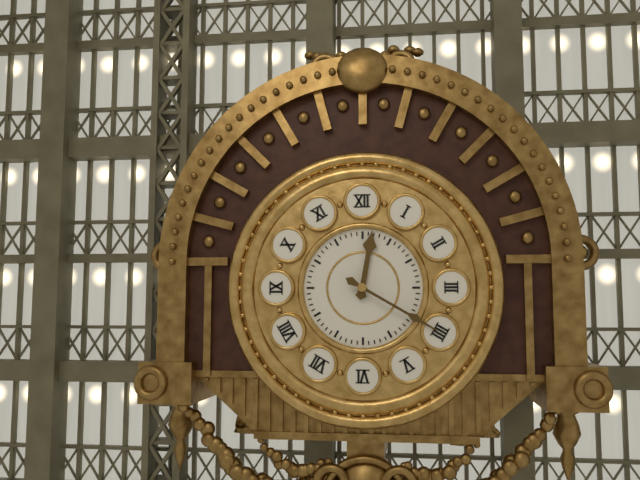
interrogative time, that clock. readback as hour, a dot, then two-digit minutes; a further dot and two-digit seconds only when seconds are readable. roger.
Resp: 12.20
